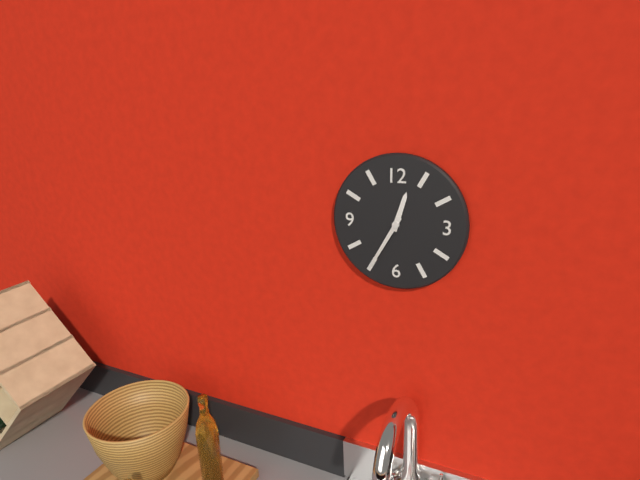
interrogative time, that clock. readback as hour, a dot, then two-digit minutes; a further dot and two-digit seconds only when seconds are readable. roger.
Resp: 12.35
